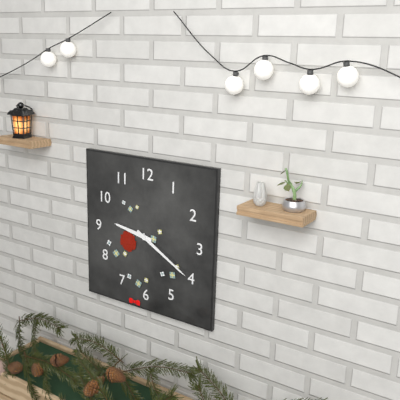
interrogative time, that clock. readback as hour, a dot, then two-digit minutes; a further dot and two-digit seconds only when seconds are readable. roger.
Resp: 9.20
